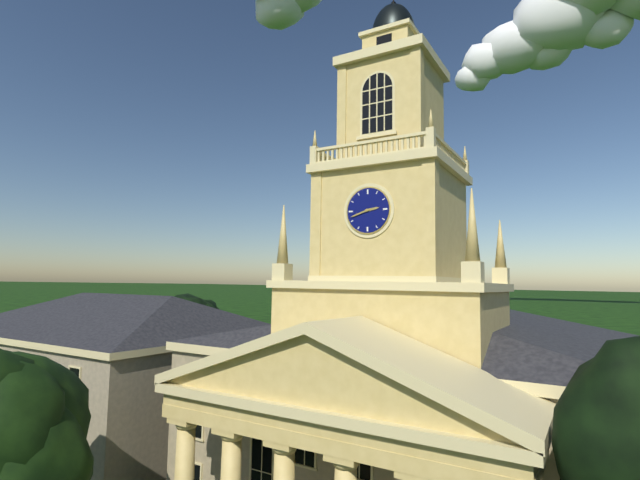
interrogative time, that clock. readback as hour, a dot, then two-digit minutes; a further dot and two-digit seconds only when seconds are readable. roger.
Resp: 2.42
